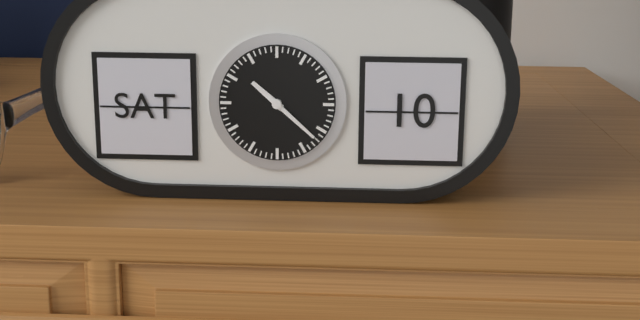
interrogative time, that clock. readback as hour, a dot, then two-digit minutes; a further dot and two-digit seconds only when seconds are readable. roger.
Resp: 10.22
